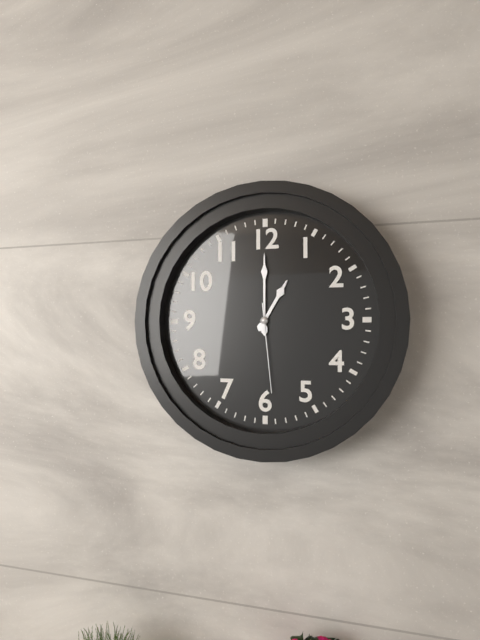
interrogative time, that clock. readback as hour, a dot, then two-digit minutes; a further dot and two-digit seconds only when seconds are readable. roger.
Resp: 1.00.29
